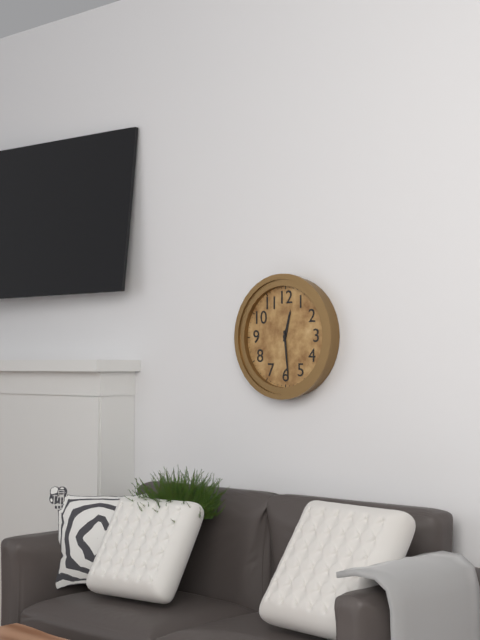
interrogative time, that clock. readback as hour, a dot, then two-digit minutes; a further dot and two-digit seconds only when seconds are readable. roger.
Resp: 12.29
